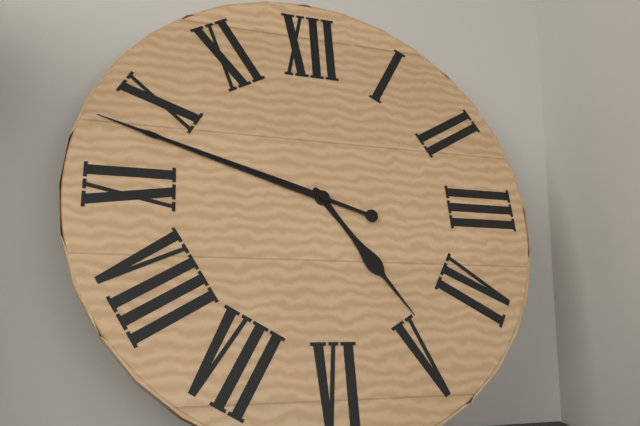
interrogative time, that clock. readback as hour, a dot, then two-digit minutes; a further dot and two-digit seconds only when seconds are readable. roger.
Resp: 4.48
